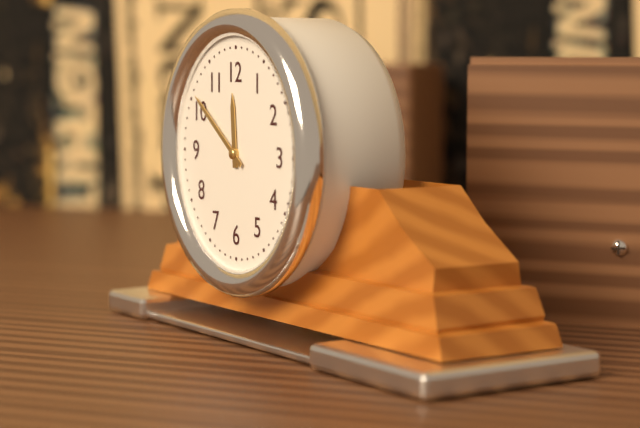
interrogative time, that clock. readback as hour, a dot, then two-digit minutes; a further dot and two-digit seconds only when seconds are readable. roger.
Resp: 11.51
